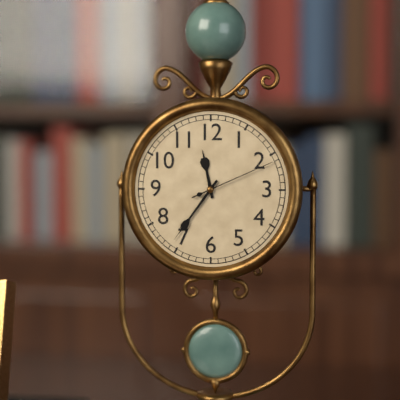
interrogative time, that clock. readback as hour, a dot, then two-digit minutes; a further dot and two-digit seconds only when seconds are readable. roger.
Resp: 11.36.11
